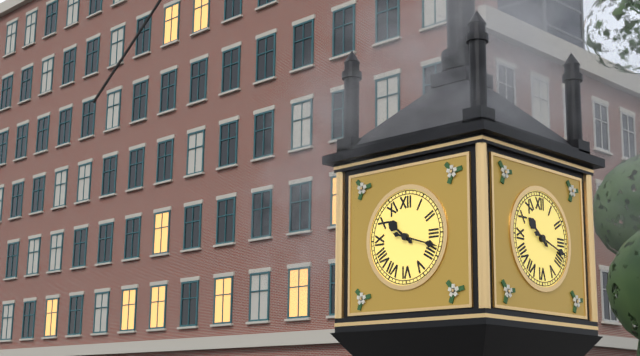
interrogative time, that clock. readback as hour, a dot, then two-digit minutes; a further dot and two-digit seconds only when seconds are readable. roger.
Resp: 10.18
